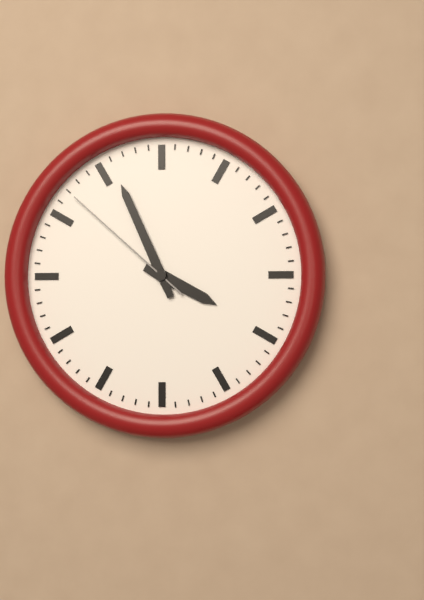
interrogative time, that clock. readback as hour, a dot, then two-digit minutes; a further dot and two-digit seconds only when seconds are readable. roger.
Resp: 3.56.52
